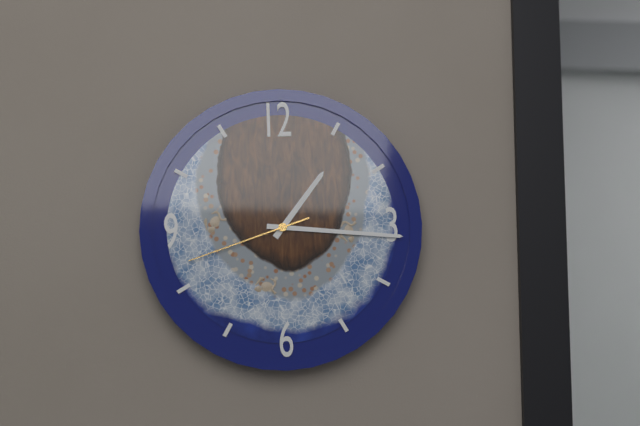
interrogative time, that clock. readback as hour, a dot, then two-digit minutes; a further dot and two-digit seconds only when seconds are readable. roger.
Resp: 1.16.42
